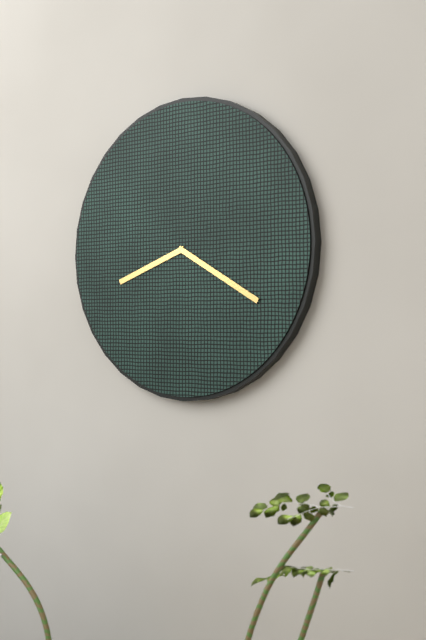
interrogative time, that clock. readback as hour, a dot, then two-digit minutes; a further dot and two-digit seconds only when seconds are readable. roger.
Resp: 8.20
